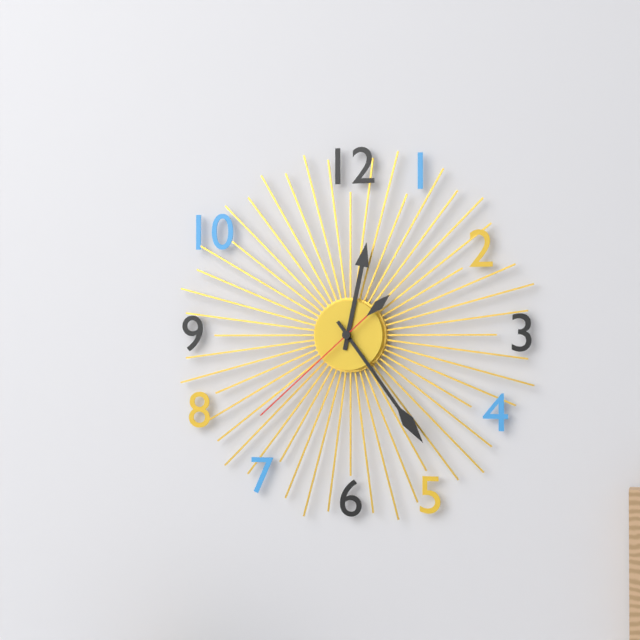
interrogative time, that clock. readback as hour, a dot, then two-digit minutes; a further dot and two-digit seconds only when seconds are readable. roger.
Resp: 12.24.38
